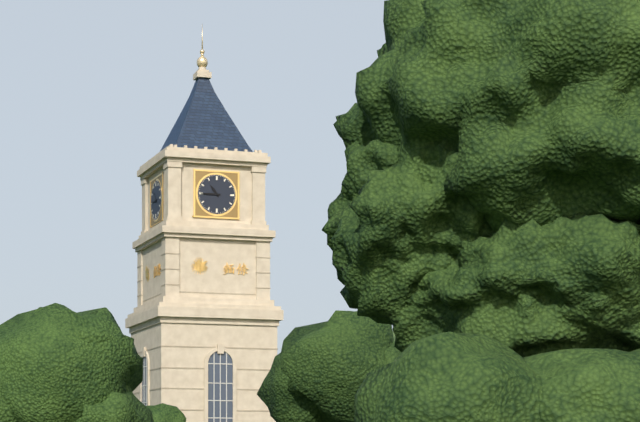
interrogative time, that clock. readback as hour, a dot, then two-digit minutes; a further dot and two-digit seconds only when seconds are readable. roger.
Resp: 10.45
